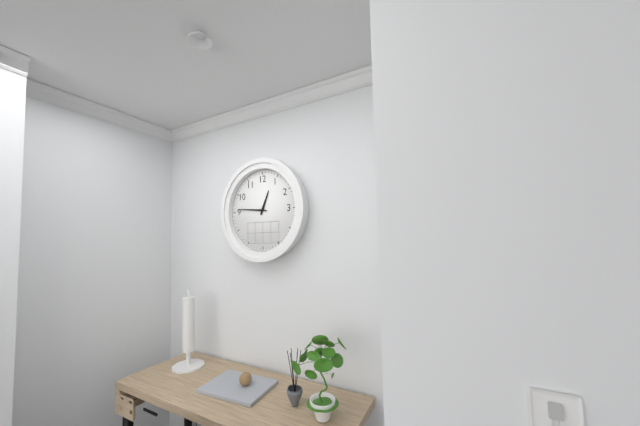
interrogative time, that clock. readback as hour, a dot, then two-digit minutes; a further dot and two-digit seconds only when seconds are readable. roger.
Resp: 12.46
